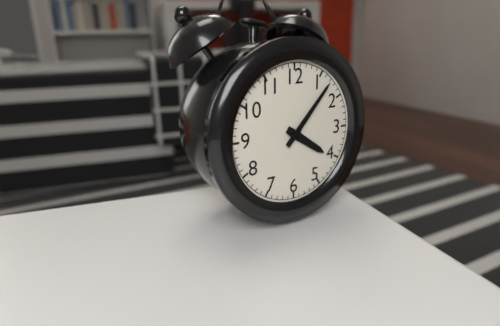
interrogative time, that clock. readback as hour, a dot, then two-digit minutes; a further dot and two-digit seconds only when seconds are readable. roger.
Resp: 4.07
